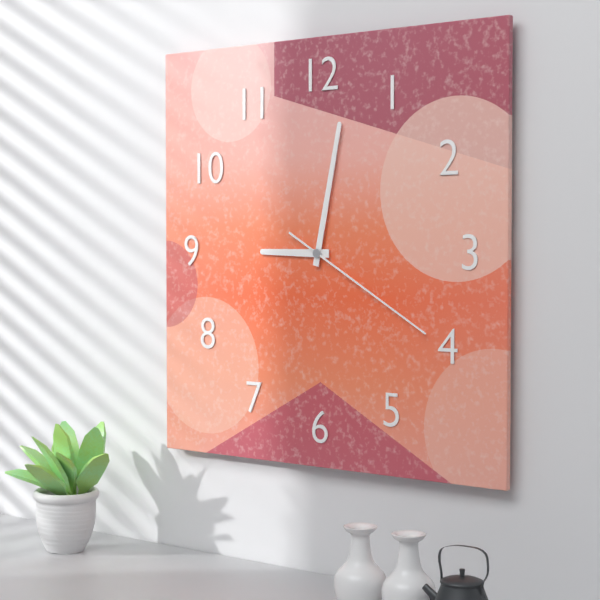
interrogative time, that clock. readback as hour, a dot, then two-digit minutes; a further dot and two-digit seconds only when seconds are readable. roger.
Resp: 9.02.20
